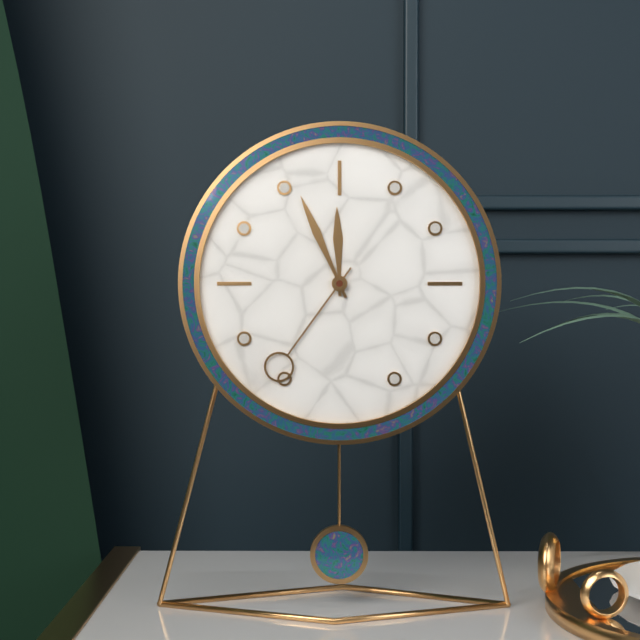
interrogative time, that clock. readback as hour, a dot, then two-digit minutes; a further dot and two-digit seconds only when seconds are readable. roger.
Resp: 11.56.36
